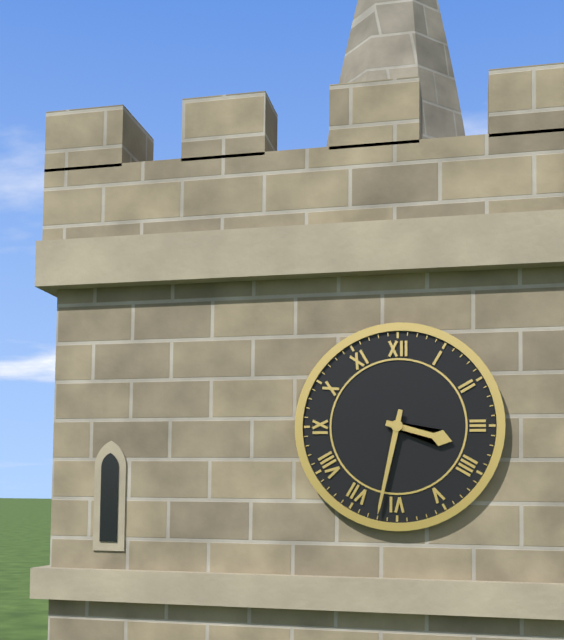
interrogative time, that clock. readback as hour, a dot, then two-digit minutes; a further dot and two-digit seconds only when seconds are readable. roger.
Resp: 3.32
